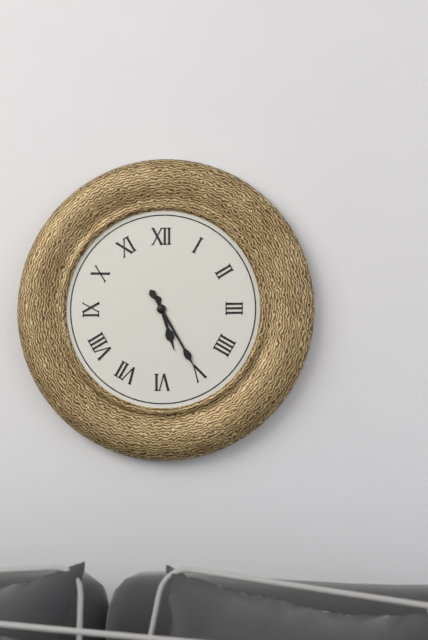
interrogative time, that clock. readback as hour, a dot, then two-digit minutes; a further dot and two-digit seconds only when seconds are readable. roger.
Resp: 5.25
